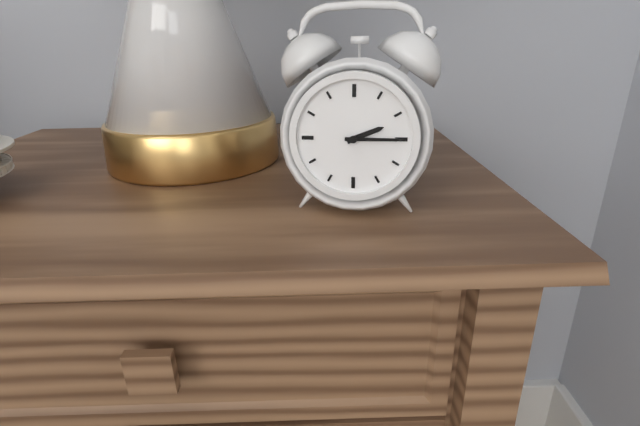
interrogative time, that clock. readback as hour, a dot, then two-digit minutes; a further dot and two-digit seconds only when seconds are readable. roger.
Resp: 2.15
